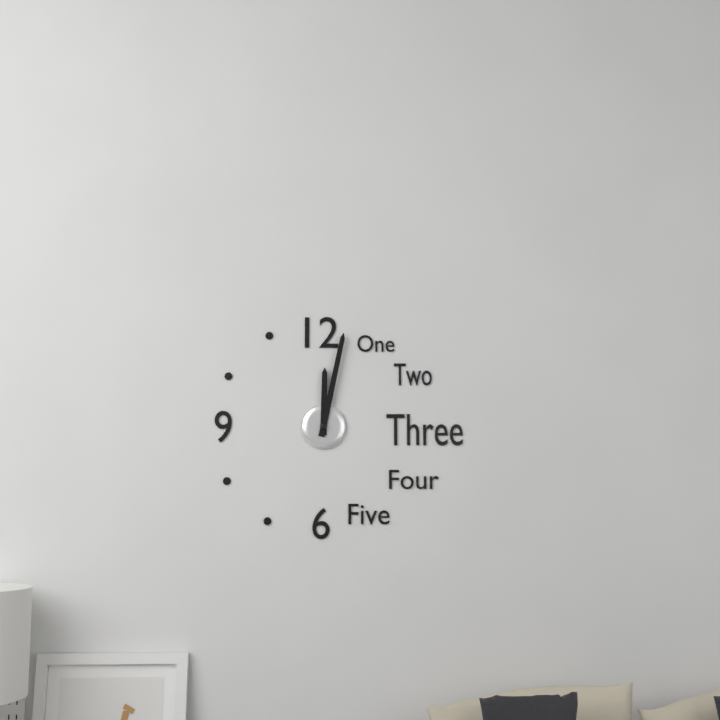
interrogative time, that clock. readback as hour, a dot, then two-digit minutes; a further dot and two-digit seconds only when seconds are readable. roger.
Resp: 12.02
